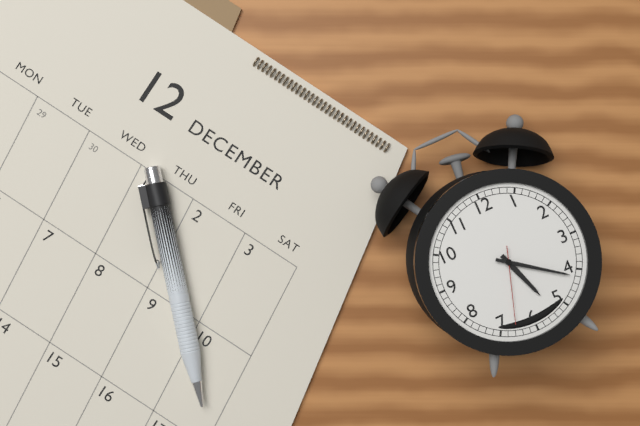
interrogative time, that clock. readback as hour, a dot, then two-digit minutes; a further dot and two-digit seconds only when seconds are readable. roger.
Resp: 5.21.33
